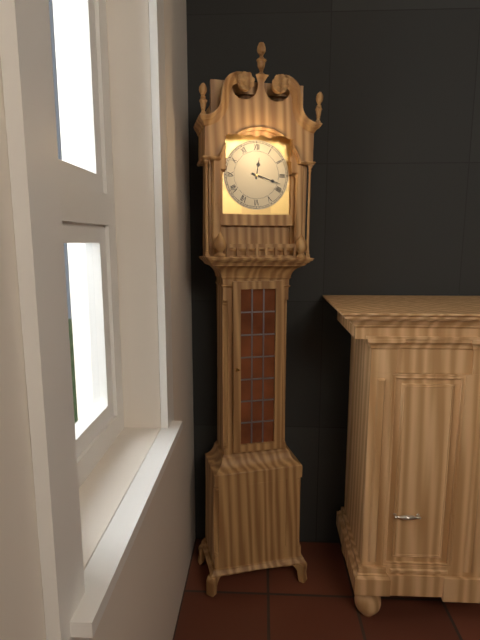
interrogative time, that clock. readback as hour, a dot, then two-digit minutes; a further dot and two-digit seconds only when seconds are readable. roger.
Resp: 12.18
